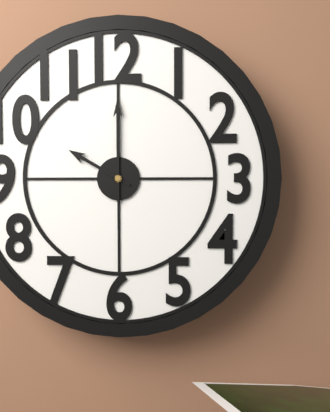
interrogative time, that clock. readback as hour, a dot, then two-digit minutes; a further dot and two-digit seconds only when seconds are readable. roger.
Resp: 10.00
